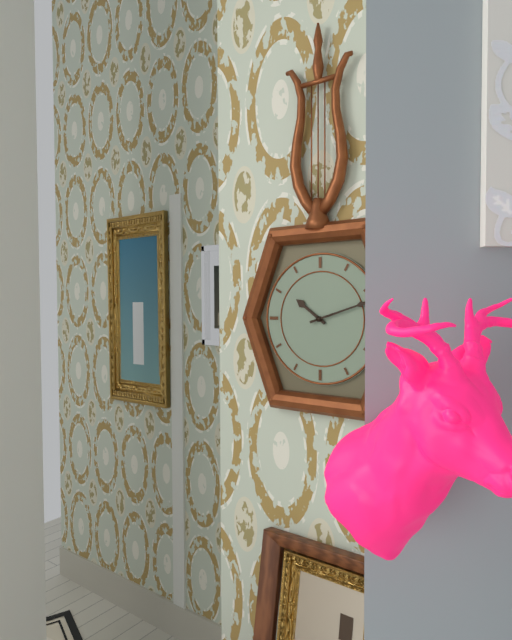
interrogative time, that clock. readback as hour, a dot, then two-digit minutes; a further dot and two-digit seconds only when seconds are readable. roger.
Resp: 10.12
